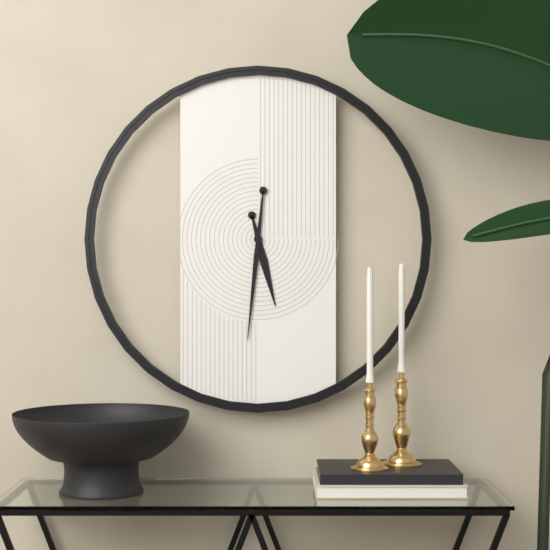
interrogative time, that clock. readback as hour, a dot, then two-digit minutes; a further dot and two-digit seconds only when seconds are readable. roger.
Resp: 5.31
